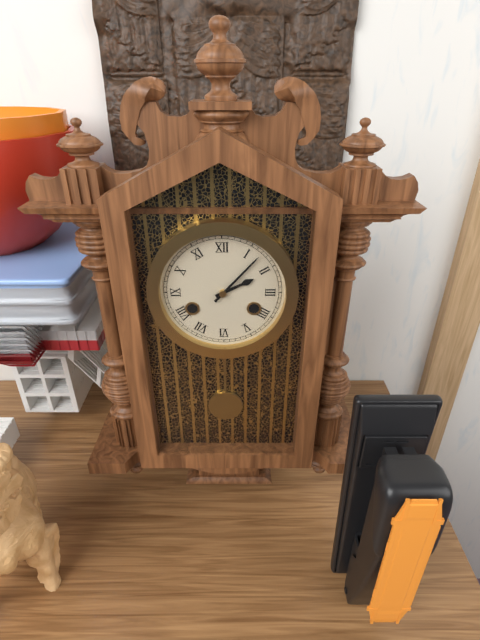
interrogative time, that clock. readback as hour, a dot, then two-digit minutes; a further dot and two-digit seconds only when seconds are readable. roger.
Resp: 2.07
